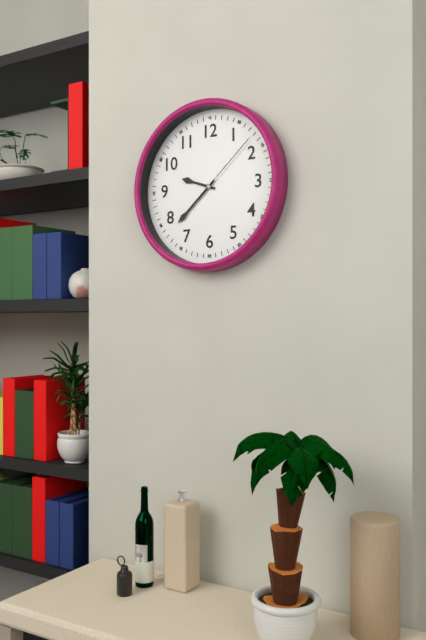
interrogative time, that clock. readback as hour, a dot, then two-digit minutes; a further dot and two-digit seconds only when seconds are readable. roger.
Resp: 9.38.08
